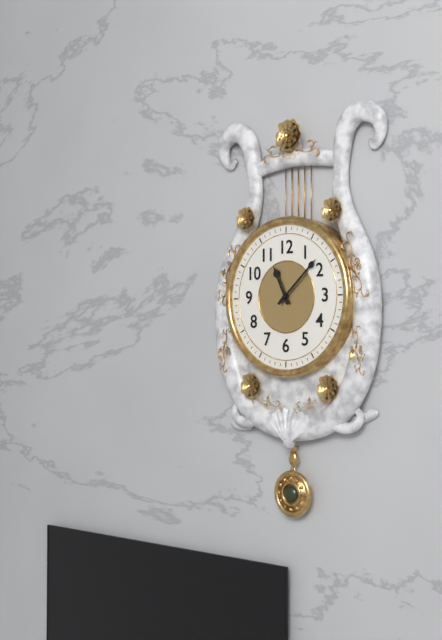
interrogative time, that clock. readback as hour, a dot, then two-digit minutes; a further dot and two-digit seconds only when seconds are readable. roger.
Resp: 11.08
